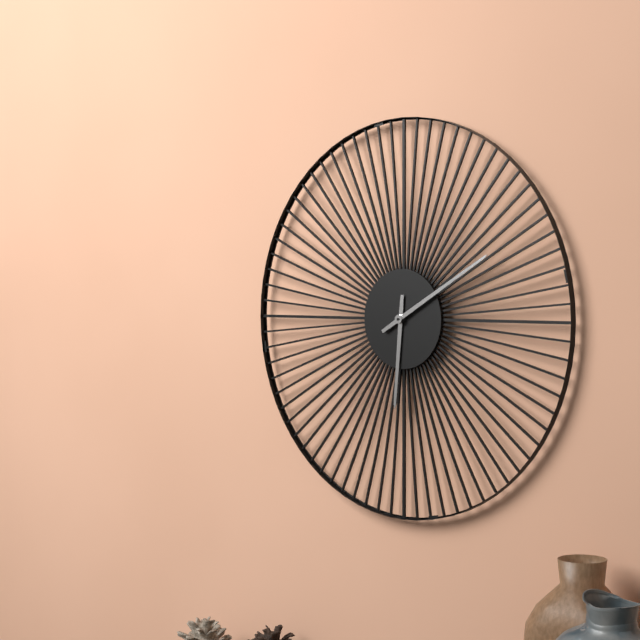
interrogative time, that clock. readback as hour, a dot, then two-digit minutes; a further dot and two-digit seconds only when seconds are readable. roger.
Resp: 6.10
